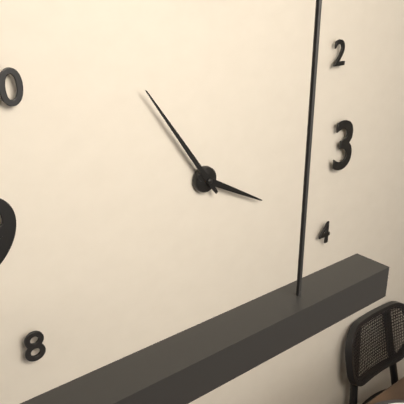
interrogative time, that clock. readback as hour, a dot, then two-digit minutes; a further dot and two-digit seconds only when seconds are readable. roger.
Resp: 3.54
